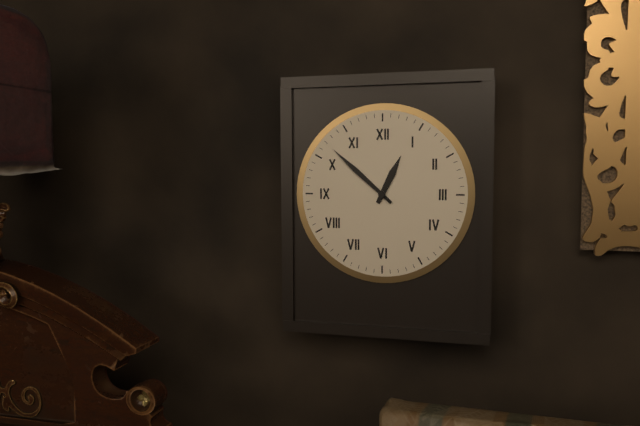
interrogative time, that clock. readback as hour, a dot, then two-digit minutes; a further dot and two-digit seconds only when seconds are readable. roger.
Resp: 12.52
